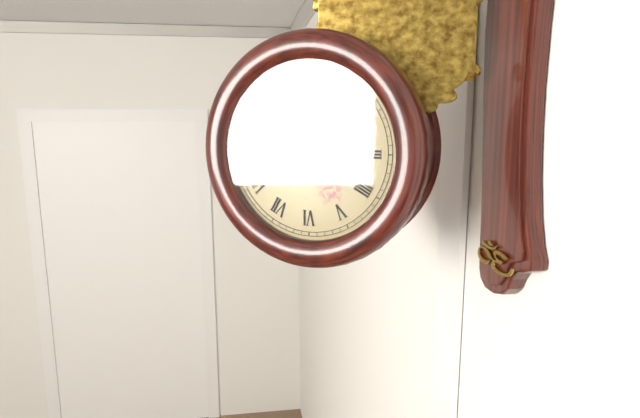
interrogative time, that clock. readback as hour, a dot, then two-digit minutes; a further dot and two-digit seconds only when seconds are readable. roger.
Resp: 2.48
